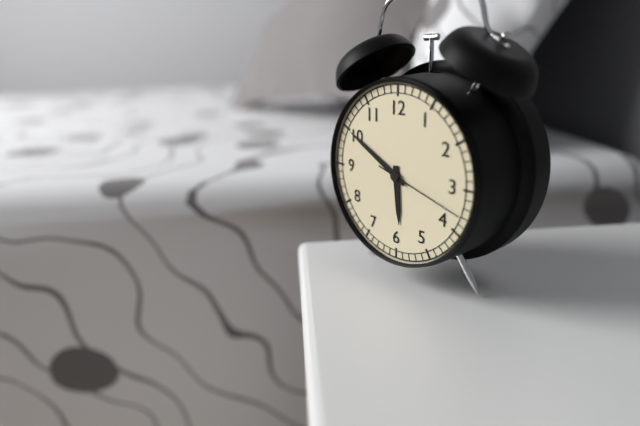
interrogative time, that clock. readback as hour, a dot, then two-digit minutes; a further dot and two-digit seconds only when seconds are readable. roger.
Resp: 5.50.18
